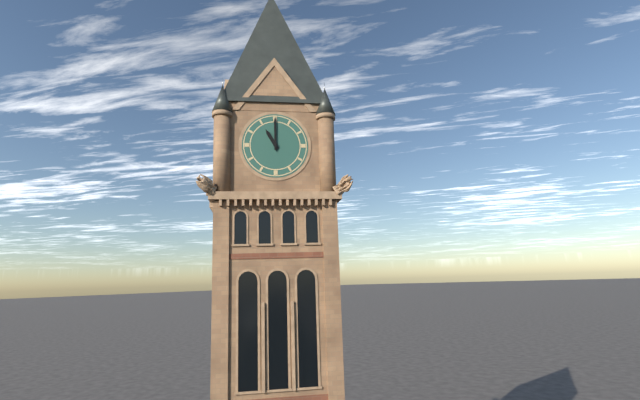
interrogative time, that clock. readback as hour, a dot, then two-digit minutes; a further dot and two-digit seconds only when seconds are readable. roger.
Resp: 11.00
